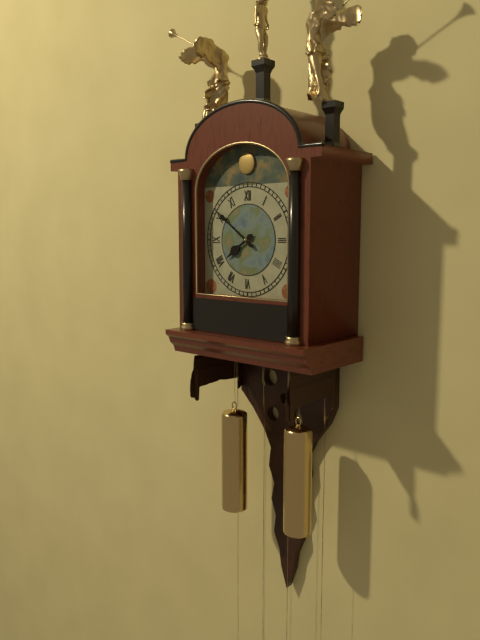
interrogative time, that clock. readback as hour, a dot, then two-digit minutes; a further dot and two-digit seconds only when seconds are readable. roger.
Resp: 7.51
